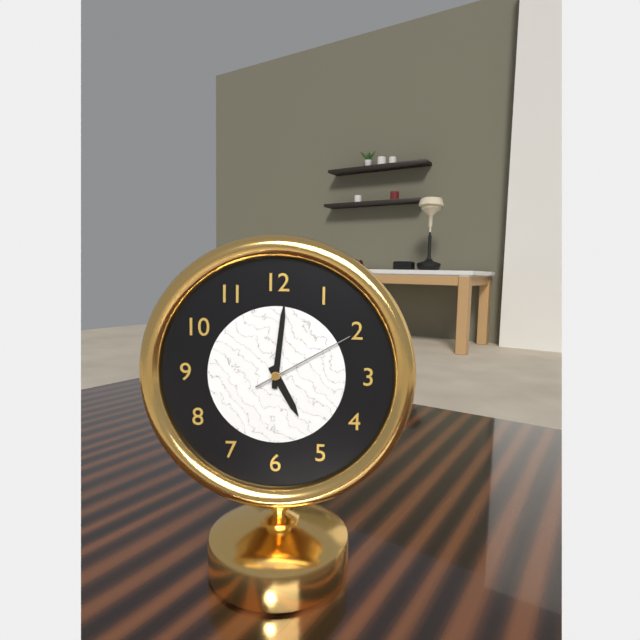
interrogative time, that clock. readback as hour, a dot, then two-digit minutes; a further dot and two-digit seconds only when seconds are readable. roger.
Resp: 5.01.10
